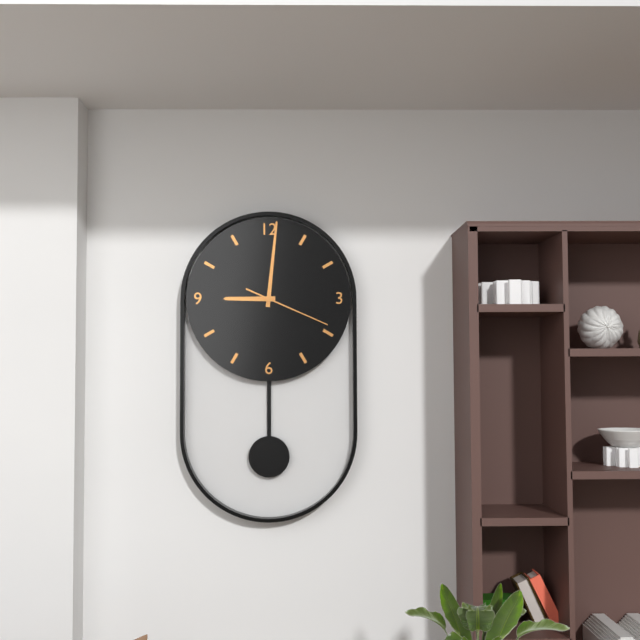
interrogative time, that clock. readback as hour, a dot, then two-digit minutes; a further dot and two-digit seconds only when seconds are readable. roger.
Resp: 9.01.19
